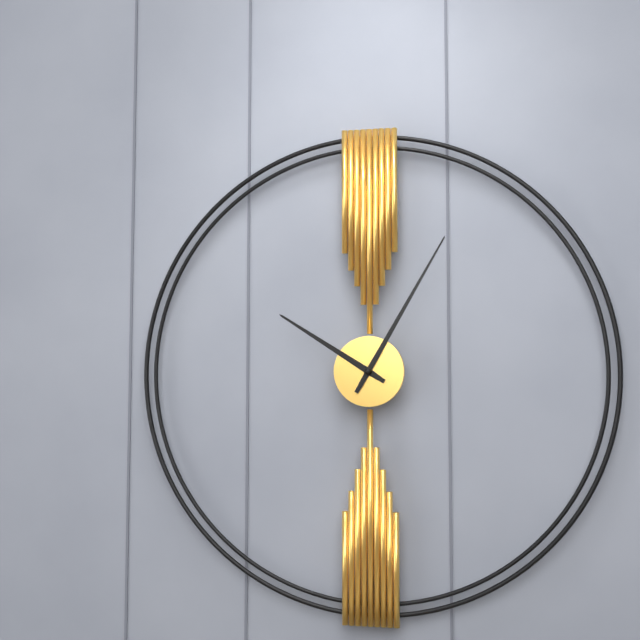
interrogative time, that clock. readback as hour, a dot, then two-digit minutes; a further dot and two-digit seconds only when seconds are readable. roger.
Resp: 10.05
